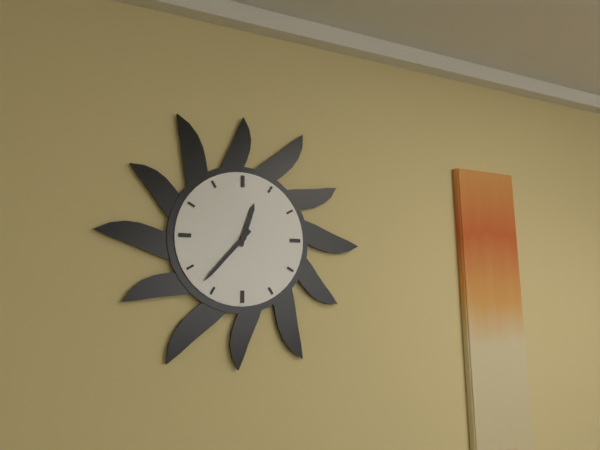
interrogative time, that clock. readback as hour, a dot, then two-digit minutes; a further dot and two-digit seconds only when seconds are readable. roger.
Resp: 12.37
